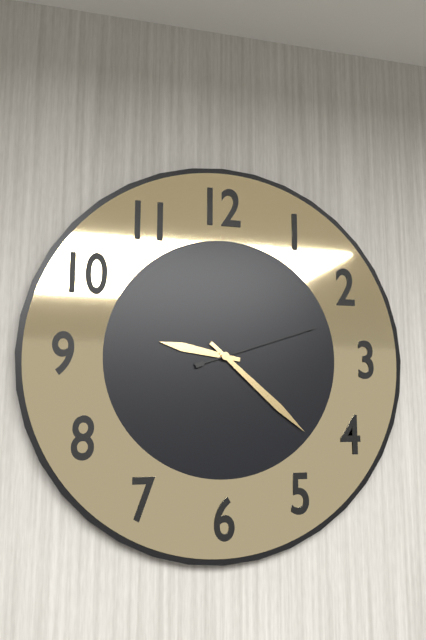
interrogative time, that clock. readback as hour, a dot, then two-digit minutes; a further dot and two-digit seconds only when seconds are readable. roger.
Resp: 9.22.12
